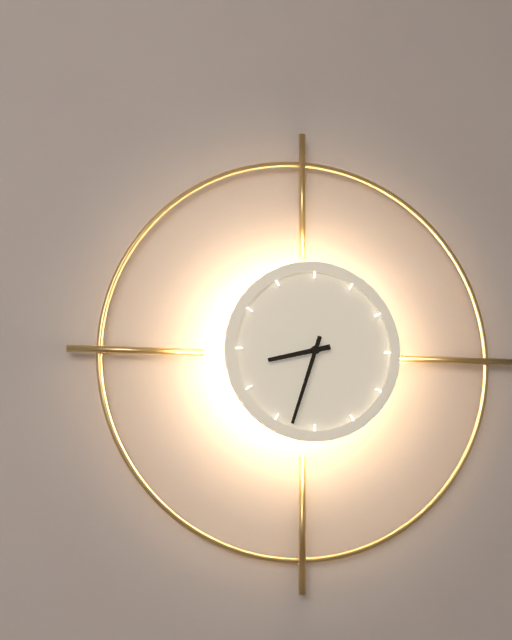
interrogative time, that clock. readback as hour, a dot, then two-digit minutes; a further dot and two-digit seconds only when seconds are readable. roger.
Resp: 8.33
